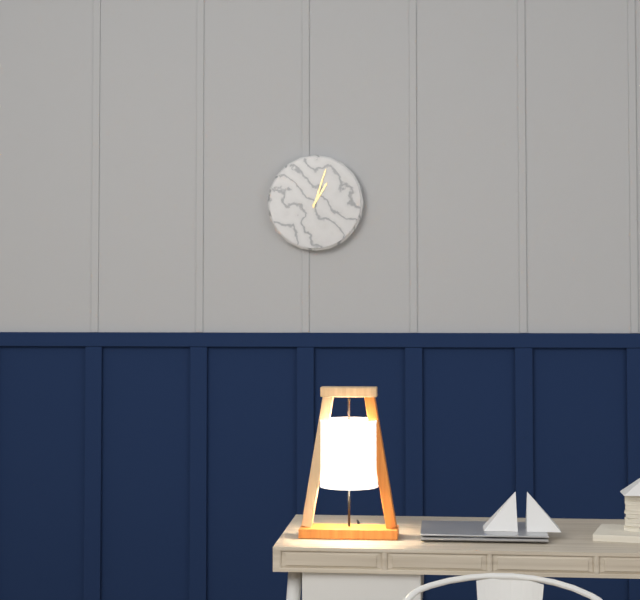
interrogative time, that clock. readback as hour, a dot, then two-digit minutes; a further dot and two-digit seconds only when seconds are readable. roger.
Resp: 1.03
